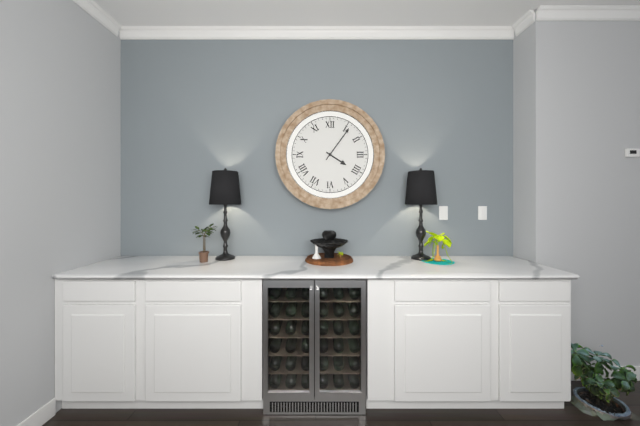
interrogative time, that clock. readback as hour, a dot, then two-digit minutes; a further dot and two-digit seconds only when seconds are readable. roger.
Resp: 4.06
